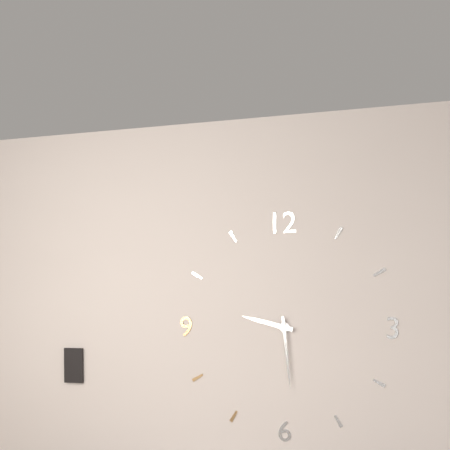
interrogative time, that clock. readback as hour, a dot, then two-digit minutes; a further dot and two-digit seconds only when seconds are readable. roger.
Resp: 9.29
